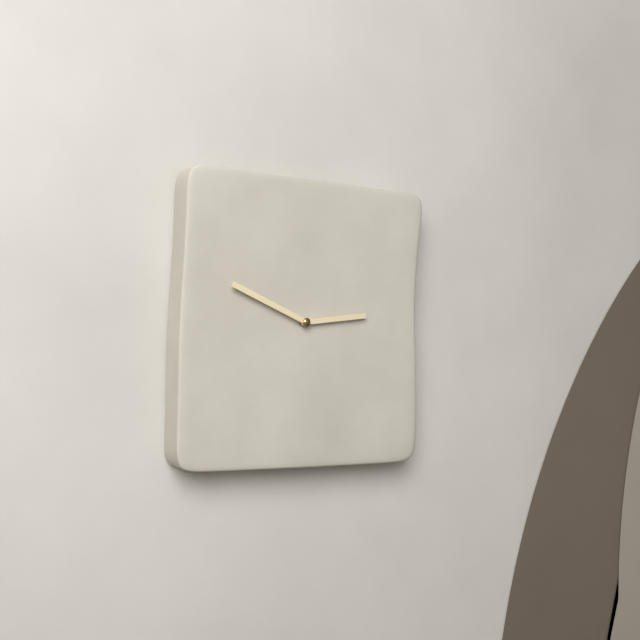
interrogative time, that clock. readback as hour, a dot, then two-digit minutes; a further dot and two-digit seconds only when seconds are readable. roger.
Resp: 2.49
